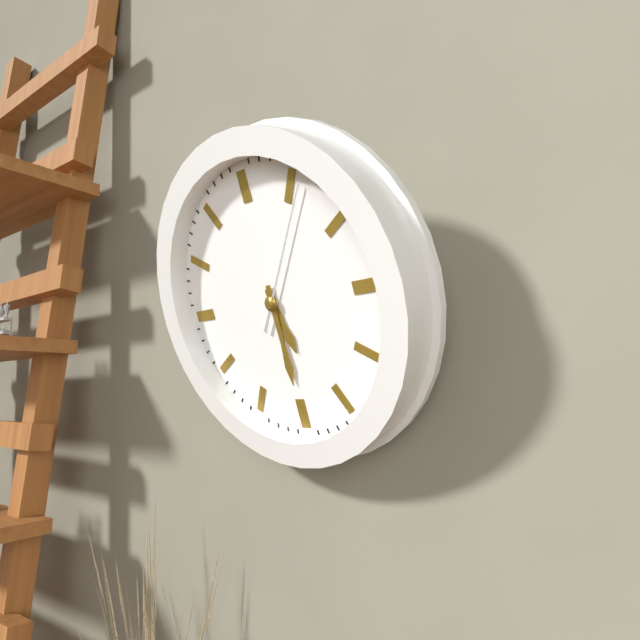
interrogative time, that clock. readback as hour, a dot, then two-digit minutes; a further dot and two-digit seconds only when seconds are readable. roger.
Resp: 5.30.06
